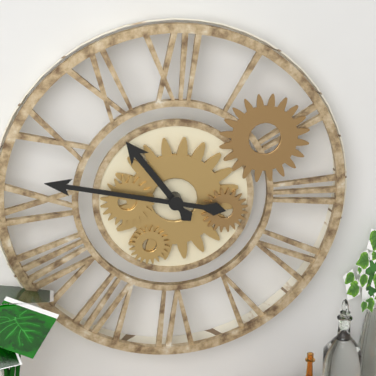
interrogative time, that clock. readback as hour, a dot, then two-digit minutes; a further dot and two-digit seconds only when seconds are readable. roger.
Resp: 10.47
